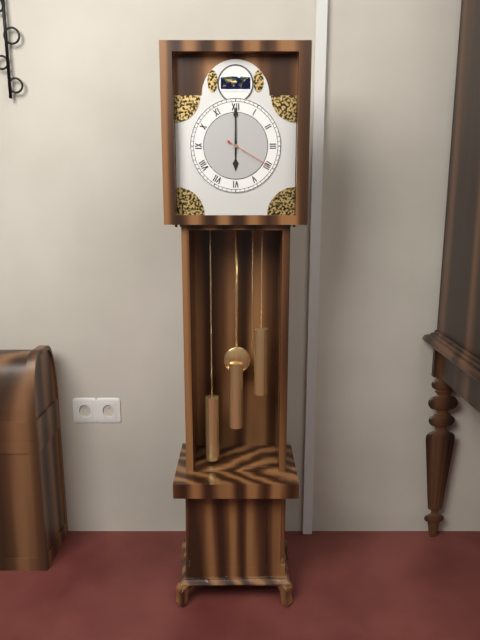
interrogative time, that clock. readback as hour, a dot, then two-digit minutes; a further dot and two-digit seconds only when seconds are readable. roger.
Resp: 6.00
